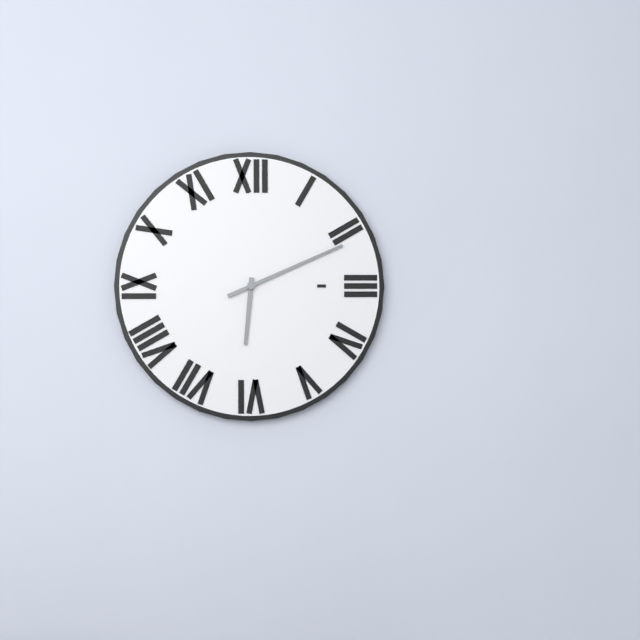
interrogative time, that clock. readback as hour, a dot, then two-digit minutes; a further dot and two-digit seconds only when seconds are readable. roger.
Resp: 6.11
